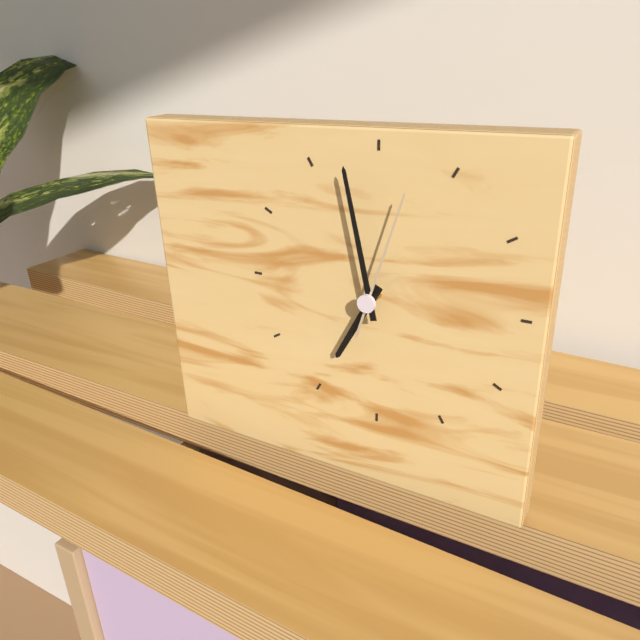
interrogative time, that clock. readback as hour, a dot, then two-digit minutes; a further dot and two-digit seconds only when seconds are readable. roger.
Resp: 6.58.03
